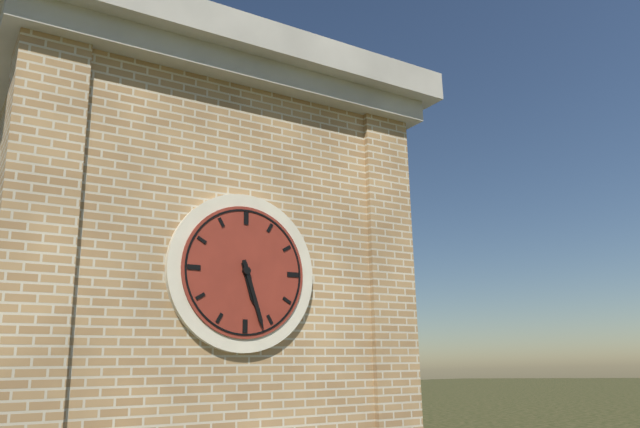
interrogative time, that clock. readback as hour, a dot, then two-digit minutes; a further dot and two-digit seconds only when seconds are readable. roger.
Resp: 5.27
